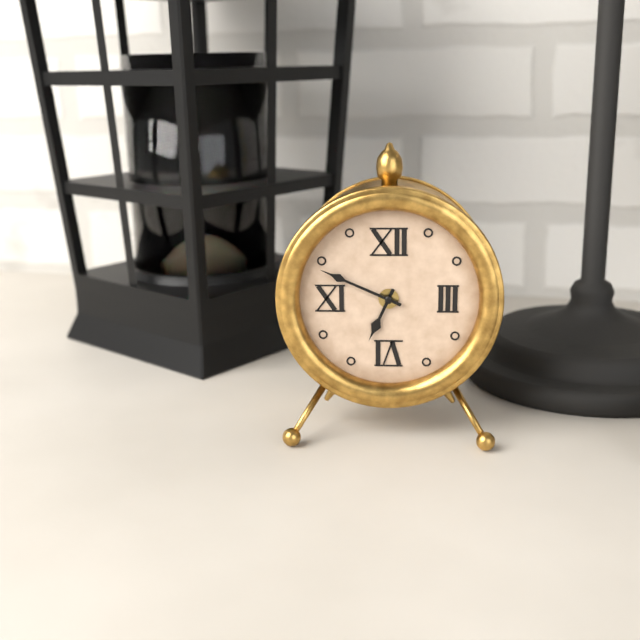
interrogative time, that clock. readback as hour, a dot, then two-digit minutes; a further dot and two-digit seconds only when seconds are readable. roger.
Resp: 6.49
